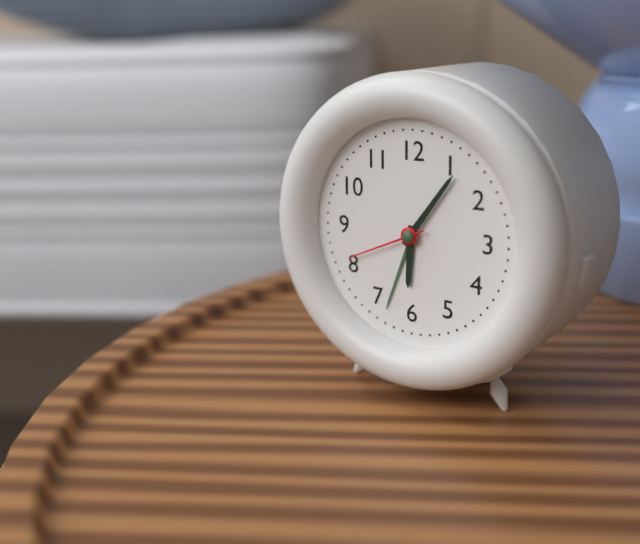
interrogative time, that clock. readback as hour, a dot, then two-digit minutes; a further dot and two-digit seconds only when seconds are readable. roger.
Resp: 6.06.41
